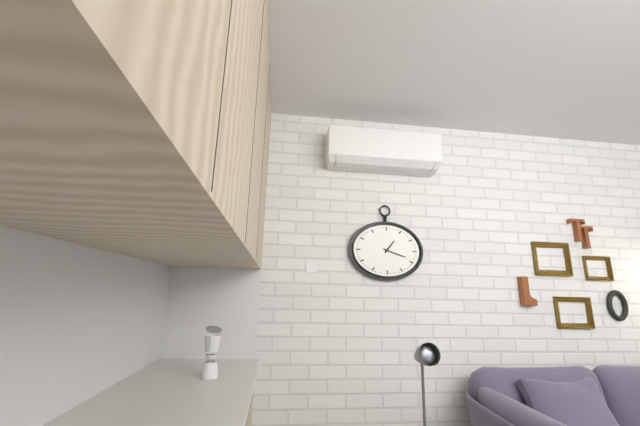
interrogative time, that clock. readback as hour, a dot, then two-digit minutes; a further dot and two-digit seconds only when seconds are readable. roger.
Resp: 1.18
